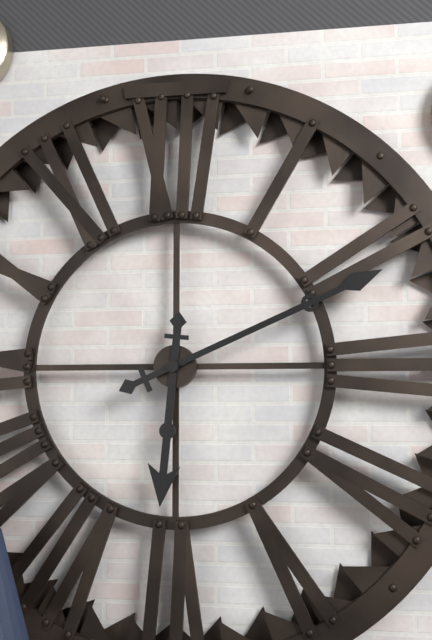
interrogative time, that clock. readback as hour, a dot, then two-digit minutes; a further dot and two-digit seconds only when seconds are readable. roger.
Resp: 6.11
